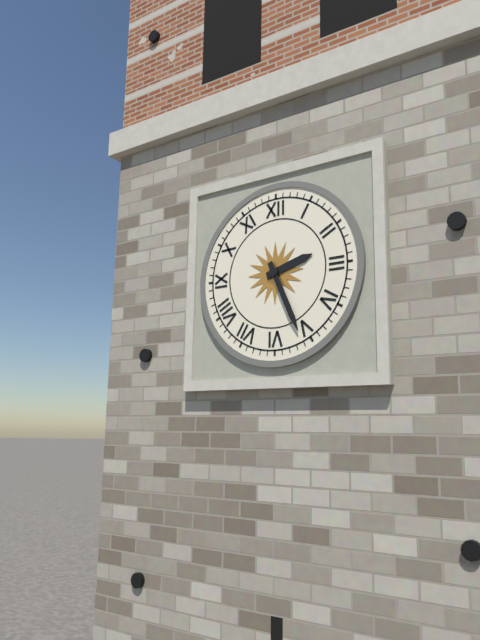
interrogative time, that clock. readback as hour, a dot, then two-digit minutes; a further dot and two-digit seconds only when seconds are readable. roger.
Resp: 2.26
